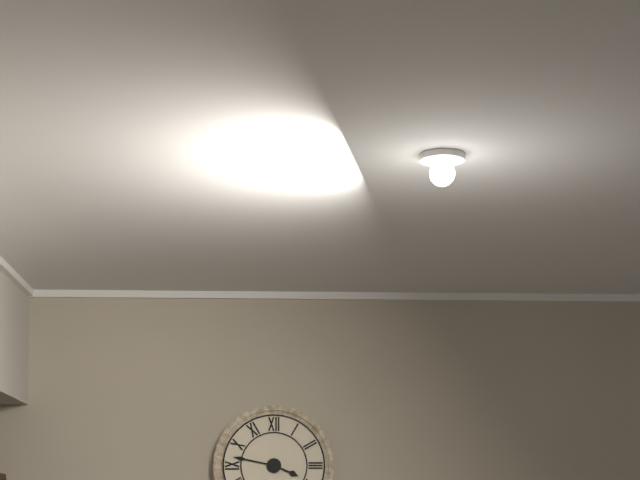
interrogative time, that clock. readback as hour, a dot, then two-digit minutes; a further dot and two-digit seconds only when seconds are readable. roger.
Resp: 3.47
